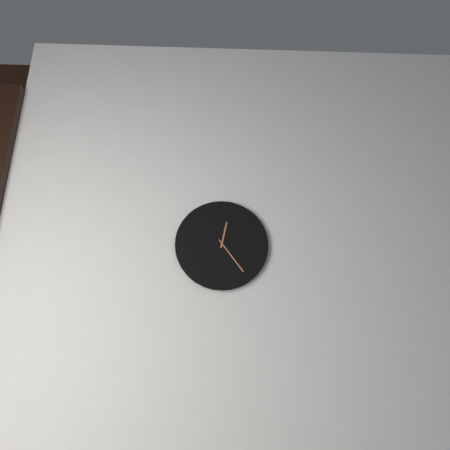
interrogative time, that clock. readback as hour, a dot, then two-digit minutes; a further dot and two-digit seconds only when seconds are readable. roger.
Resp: 12.24
